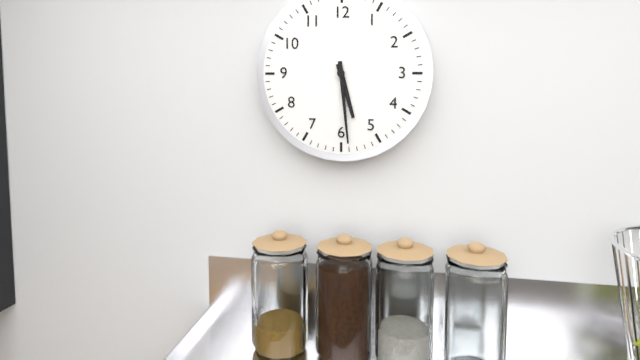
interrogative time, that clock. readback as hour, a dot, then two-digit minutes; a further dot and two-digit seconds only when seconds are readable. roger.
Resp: 5.29
